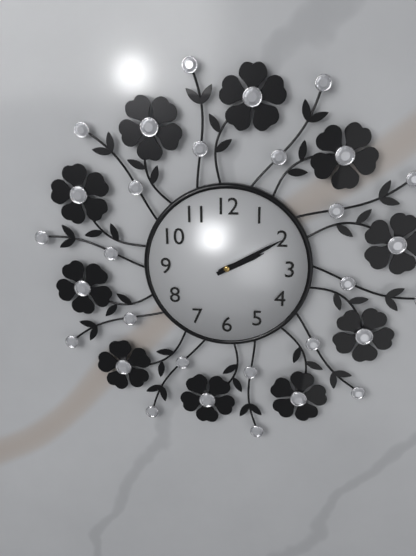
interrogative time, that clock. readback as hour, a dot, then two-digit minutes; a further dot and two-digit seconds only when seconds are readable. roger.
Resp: 2.10
